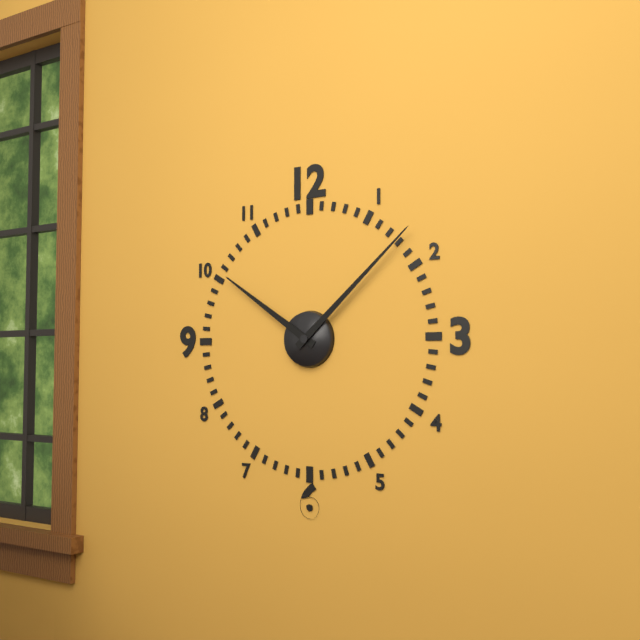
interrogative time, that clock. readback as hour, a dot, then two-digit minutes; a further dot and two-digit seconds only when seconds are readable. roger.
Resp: 10.08
